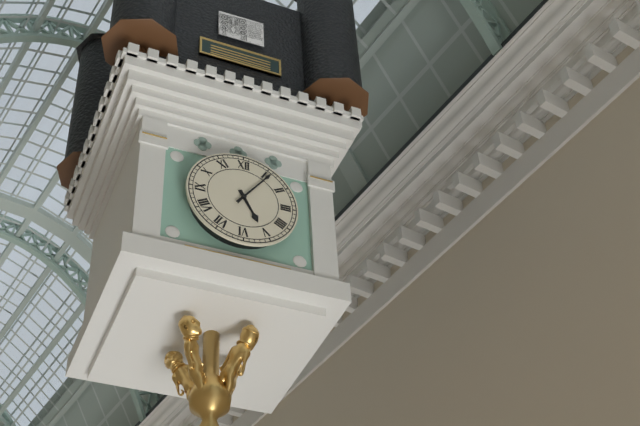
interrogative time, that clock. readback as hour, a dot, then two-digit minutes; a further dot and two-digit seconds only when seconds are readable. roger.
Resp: 5.06
